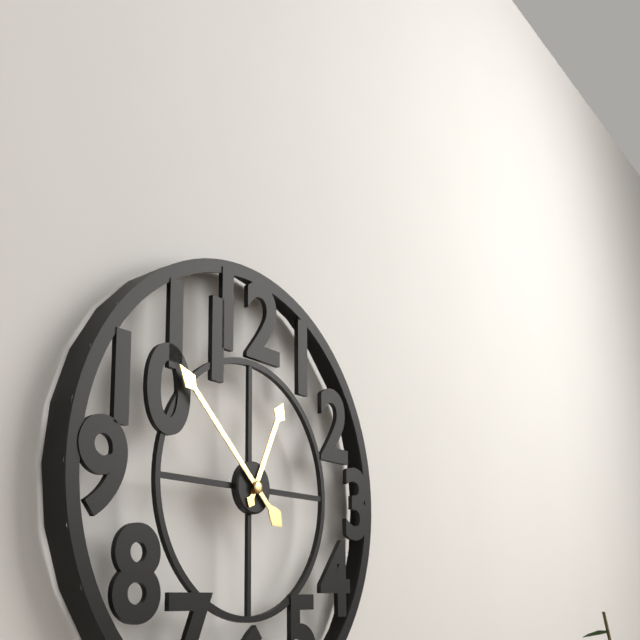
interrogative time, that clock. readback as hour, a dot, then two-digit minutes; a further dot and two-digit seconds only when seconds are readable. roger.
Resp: 12.52
